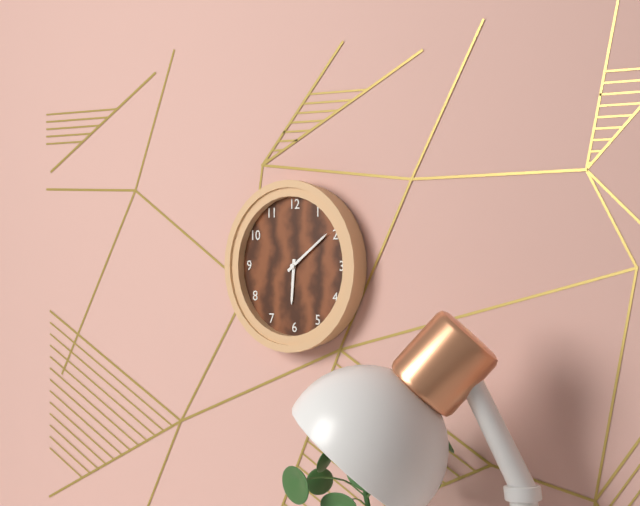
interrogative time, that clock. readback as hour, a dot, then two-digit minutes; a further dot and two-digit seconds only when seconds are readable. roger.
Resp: 6.09
